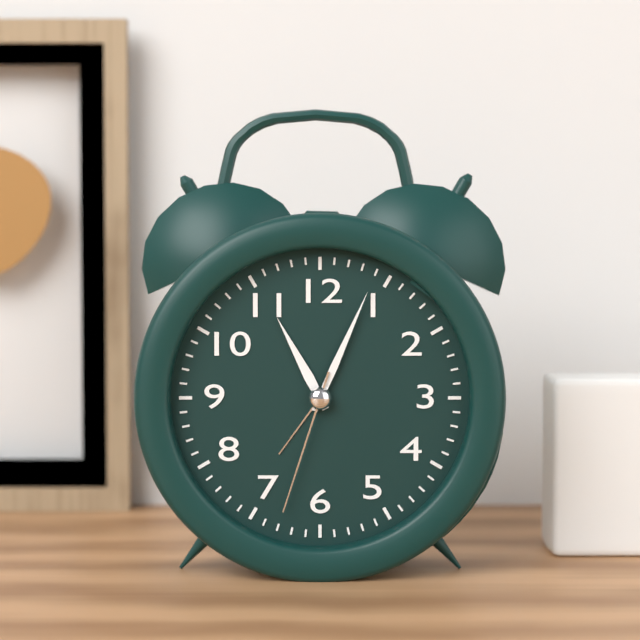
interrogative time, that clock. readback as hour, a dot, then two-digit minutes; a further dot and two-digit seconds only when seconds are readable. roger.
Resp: 11.04.33
